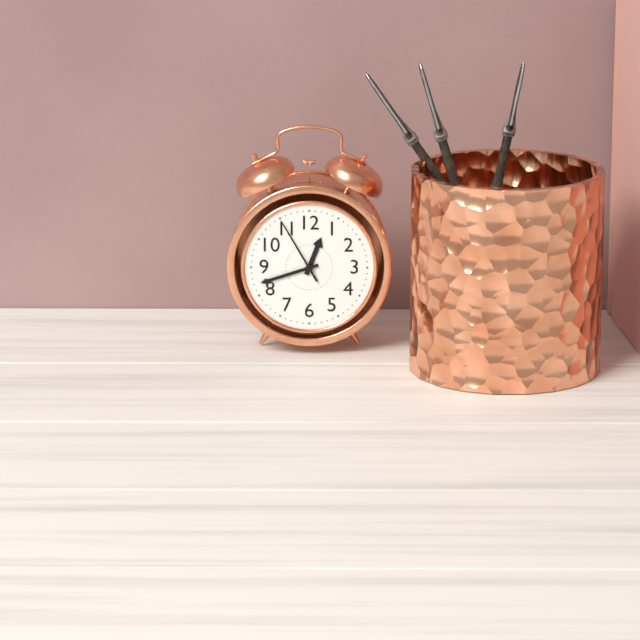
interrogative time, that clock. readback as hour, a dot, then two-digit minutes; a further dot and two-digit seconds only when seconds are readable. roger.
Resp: 12.42.55
